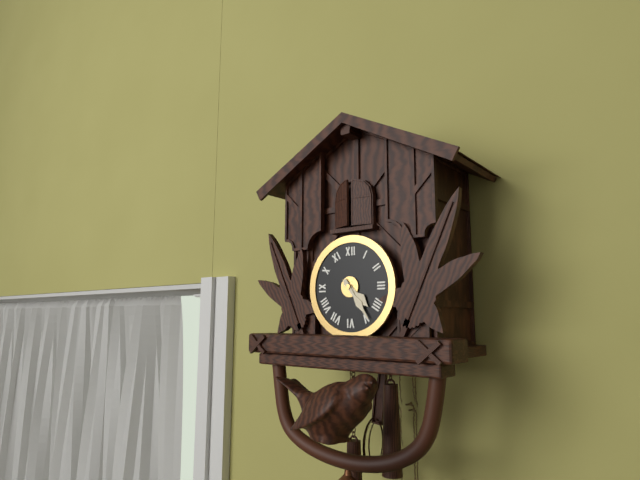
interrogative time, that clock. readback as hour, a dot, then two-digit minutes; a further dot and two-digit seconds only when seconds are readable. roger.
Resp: 4.24
